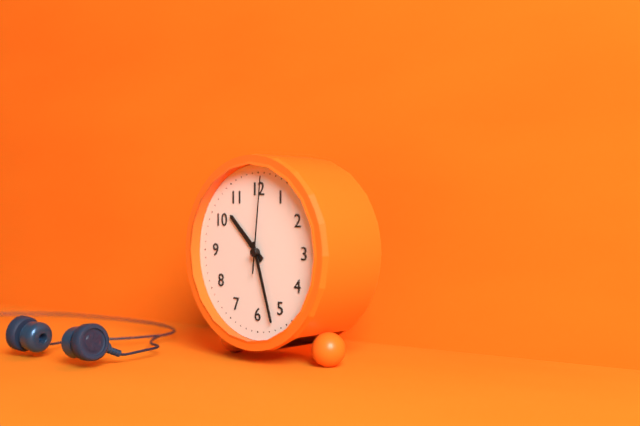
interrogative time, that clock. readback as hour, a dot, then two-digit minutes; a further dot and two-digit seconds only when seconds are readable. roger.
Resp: 10.27.01
